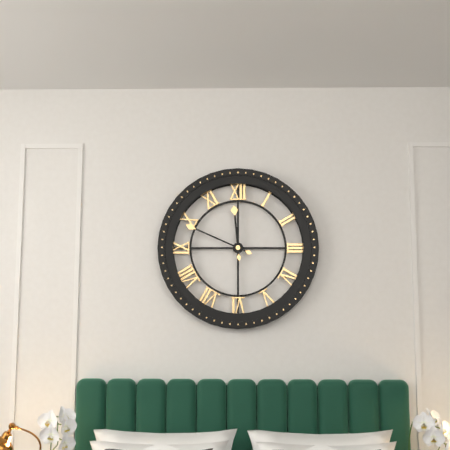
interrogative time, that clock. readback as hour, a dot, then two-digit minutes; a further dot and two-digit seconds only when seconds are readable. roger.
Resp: 11.49
